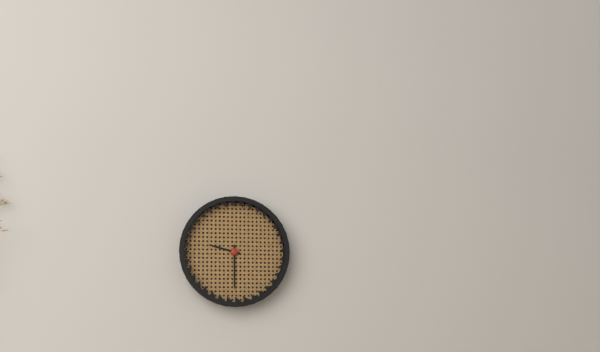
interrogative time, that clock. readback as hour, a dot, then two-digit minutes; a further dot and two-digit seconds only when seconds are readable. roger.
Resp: 9.30
